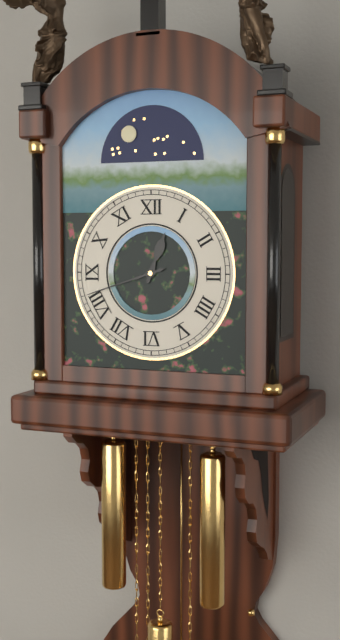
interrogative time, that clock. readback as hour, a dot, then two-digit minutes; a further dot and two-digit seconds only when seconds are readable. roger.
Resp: 12.42
